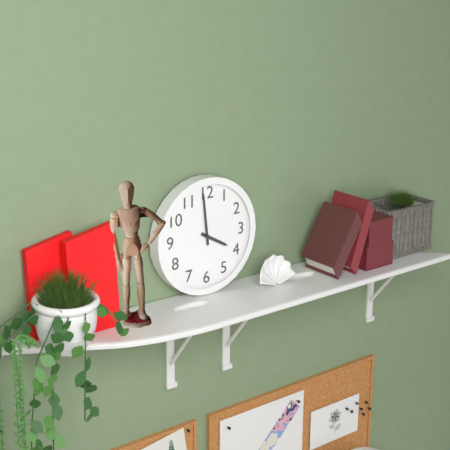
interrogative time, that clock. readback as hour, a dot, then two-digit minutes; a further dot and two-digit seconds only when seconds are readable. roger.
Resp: 3.59
